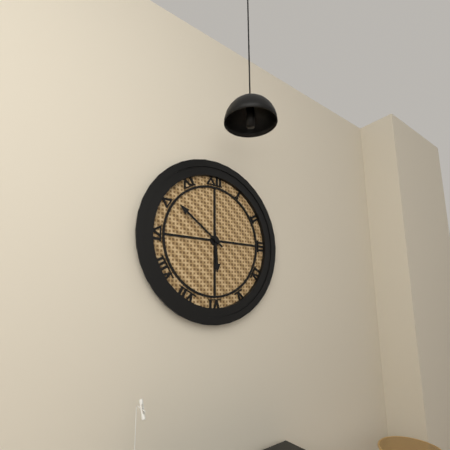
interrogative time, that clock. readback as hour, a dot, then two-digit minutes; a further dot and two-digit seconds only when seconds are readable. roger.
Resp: 5.51
